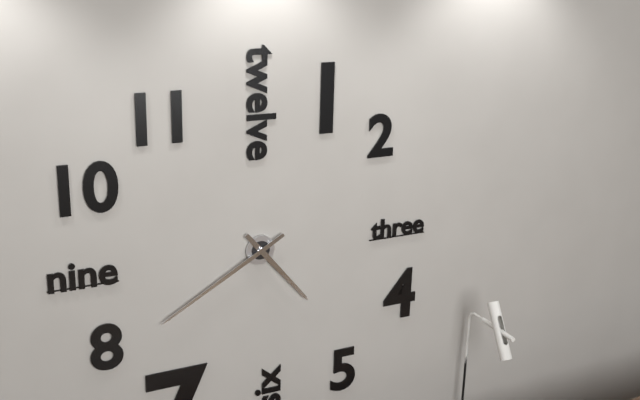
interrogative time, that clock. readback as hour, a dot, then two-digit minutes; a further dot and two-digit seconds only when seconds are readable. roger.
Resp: 4.40
